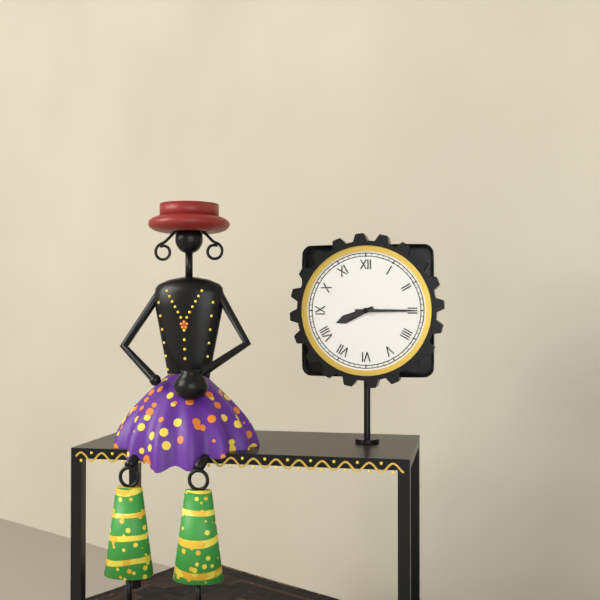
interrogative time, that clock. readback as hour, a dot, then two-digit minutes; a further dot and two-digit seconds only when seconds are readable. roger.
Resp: 8.15
